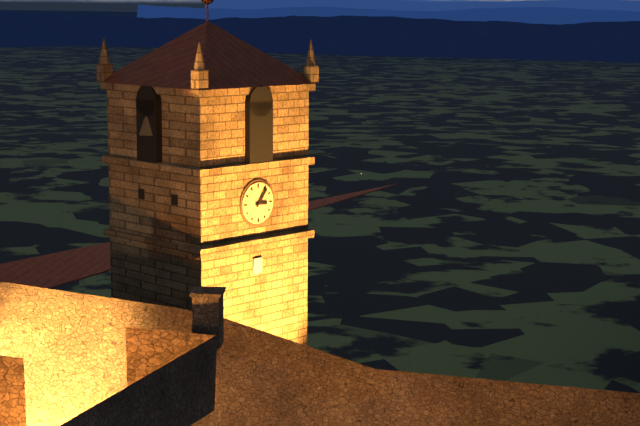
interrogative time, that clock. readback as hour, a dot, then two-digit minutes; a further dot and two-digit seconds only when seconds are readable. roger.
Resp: 3.06
